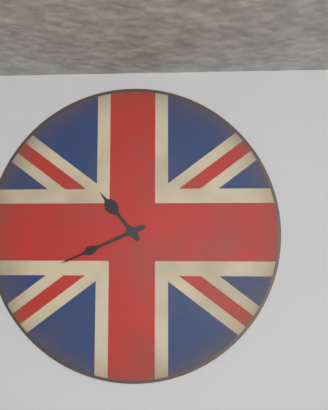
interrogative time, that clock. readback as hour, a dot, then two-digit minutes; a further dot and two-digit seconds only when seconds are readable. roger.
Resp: 10.41
